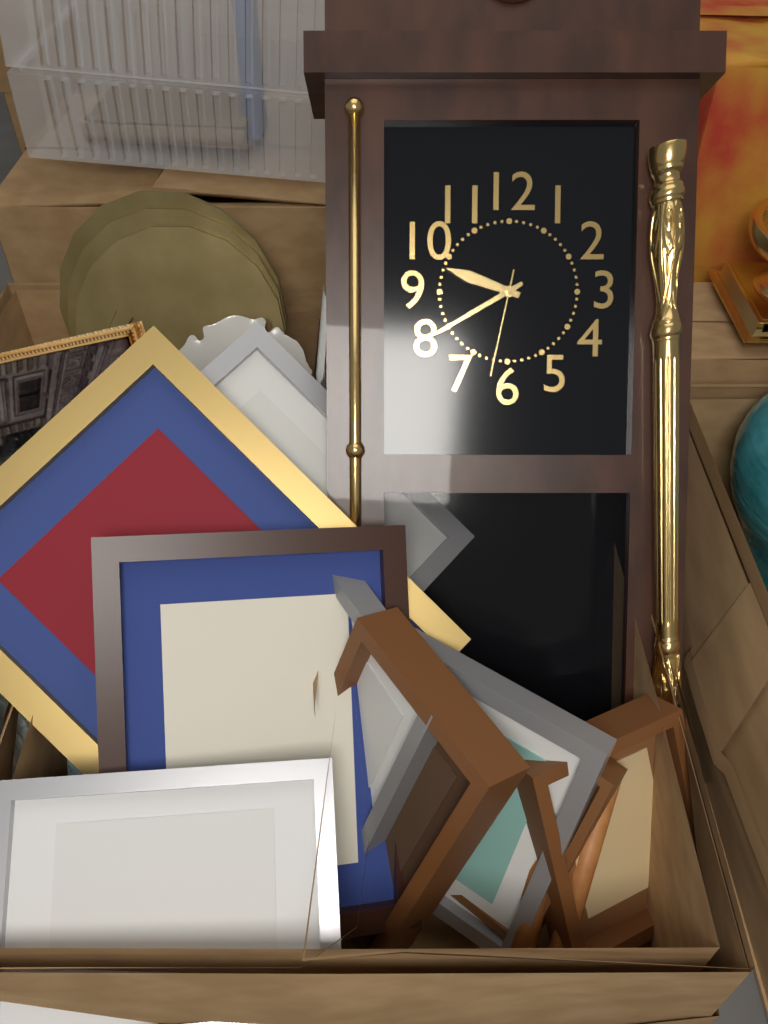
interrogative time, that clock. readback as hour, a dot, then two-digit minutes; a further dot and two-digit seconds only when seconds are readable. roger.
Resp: 9.40.32
